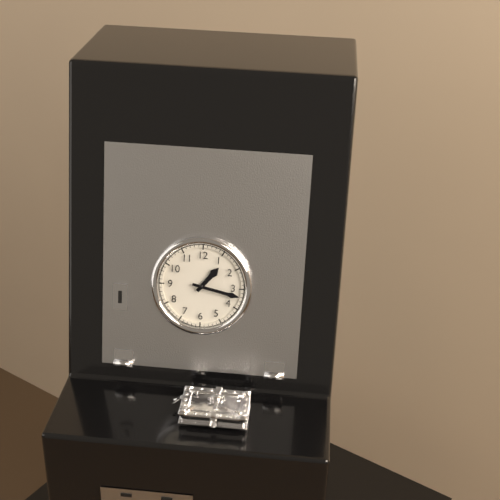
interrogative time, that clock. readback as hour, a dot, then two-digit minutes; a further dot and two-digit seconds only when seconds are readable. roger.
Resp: 1.17
